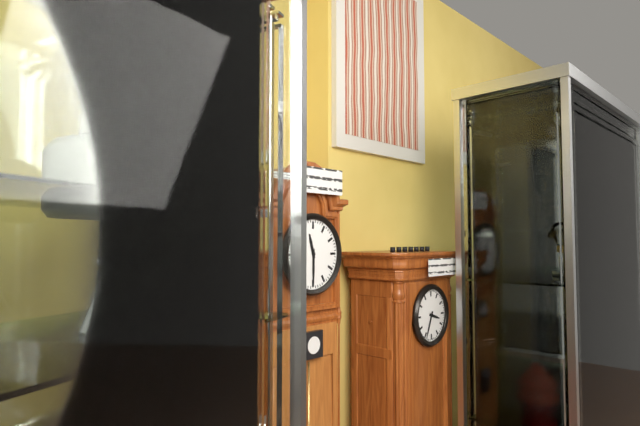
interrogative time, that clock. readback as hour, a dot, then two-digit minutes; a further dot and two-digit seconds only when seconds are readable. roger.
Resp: 11.30
